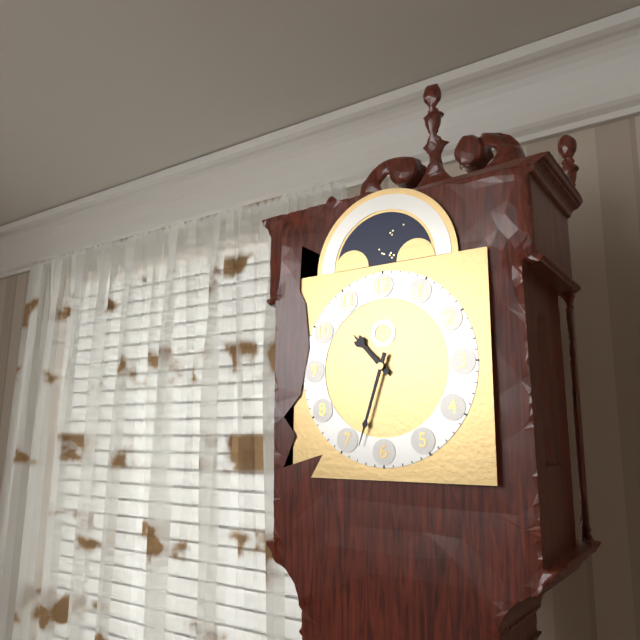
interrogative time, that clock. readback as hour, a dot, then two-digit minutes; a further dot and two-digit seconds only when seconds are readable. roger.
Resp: 10.33
